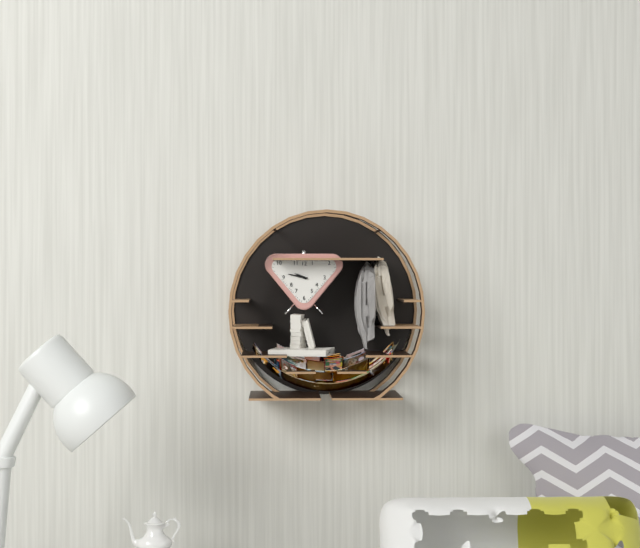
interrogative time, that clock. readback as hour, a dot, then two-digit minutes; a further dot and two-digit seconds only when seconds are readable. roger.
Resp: 9.47
